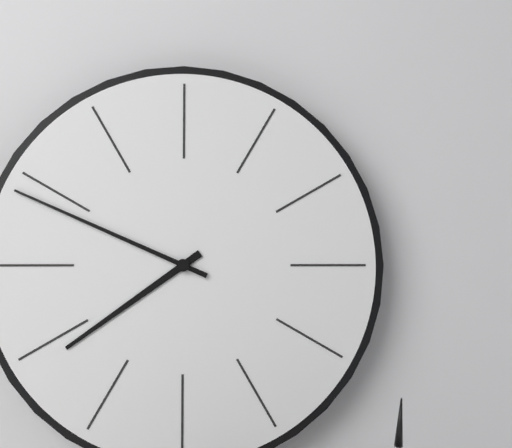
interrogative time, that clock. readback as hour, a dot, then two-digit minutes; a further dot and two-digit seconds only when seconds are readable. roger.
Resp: 7.49
